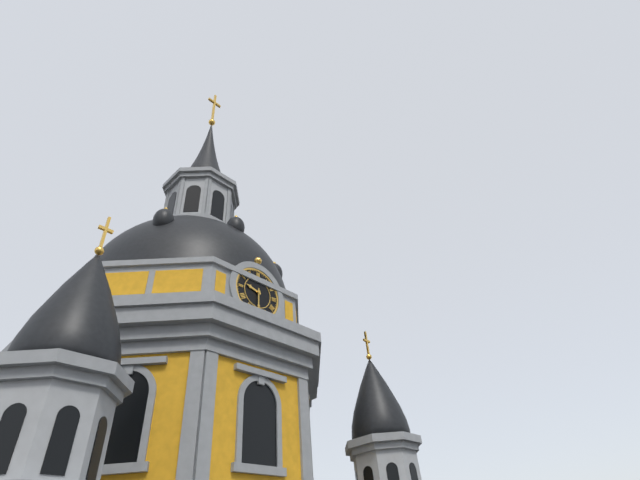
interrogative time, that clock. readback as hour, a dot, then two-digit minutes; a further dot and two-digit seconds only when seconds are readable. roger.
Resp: 9.30
